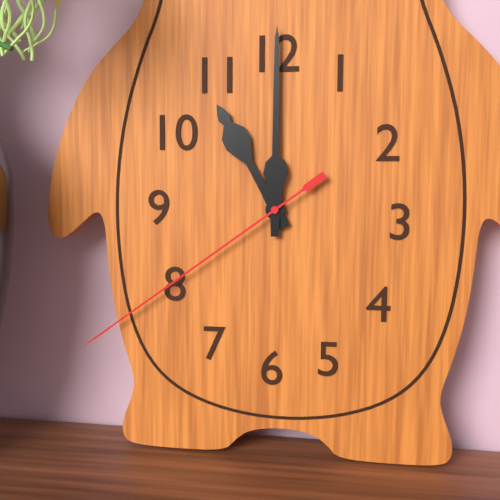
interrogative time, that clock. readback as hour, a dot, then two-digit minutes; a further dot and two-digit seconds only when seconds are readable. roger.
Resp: 11.00.39
